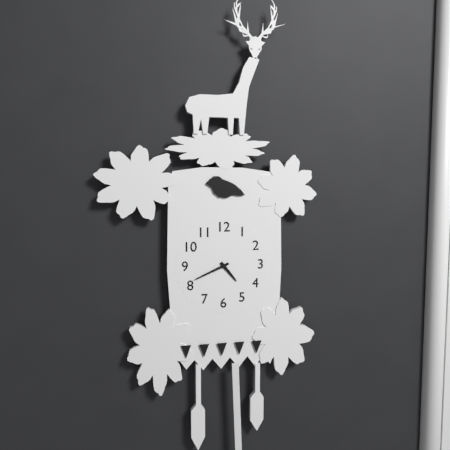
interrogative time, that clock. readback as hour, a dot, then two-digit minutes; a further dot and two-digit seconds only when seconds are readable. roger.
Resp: 4.41
